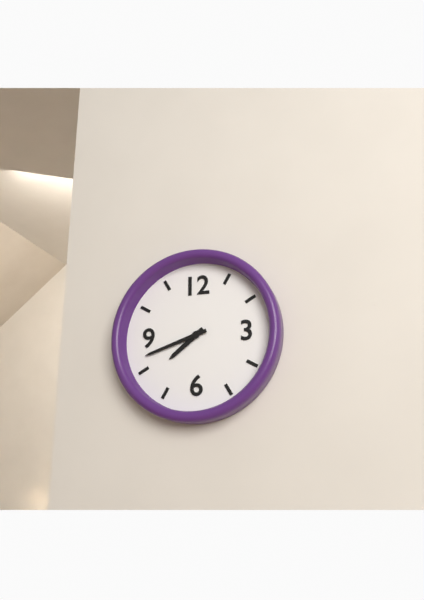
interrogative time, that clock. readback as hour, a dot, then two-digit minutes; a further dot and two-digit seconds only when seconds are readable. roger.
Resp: 7.42
